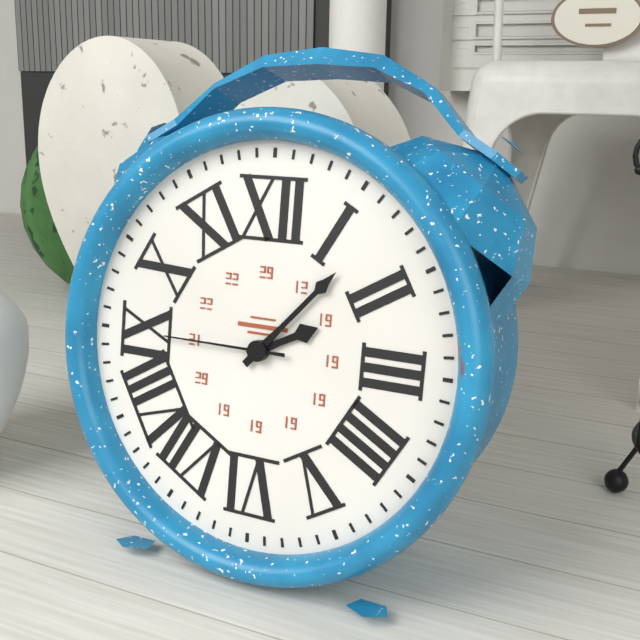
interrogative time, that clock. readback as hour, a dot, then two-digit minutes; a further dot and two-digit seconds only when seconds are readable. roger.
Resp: 2.07.45
